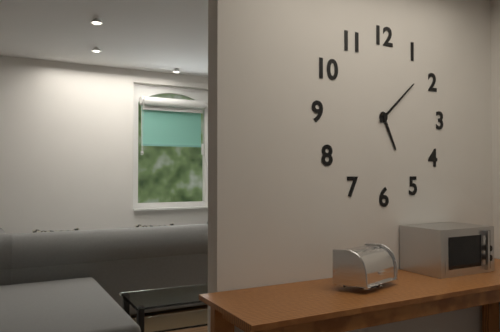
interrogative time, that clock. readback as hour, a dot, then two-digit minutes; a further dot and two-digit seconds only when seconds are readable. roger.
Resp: 5.08
